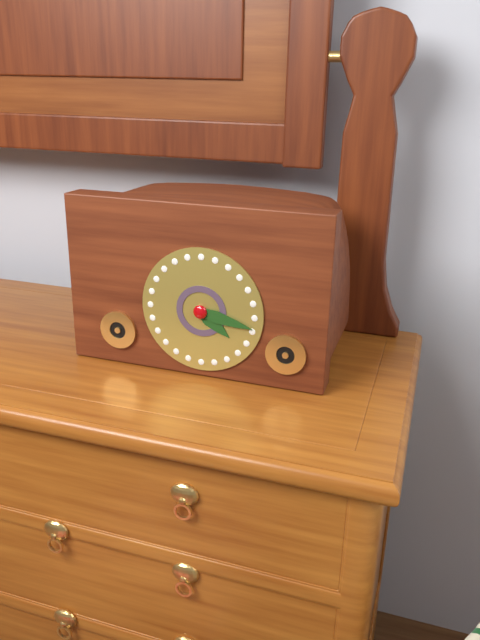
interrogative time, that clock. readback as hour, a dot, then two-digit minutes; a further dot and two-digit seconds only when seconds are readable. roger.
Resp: 4.17
